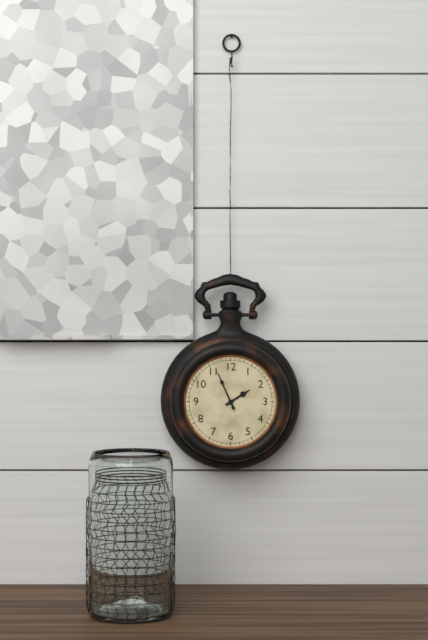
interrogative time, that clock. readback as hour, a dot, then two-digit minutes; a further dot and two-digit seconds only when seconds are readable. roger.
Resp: 1.56
